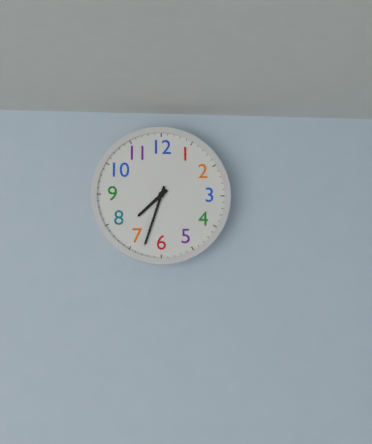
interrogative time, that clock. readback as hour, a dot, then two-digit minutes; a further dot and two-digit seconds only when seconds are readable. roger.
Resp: 7.33
